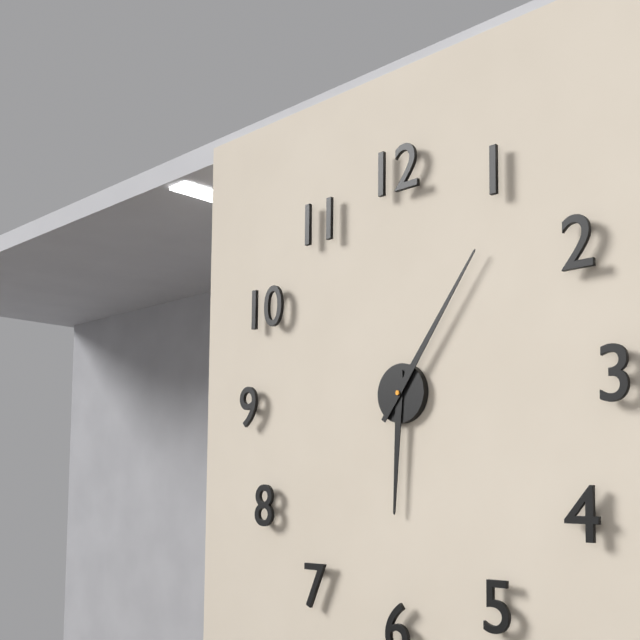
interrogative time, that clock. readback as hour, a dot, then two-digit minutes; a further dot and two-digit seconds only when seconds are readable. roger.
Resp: 6.06
